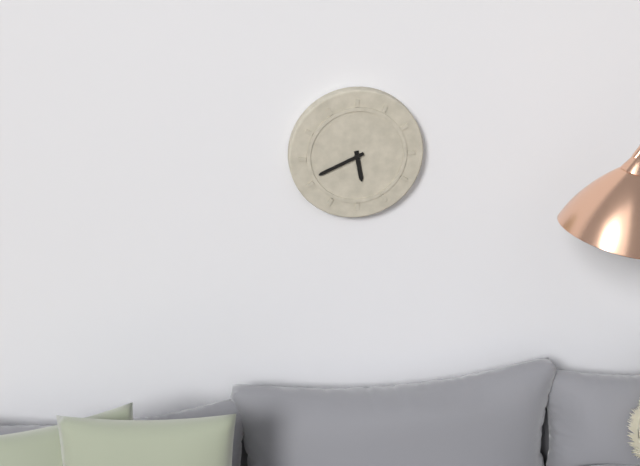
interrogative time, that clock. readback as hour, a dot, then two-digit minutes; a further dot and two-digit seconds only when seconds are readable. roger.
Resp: 5.41
